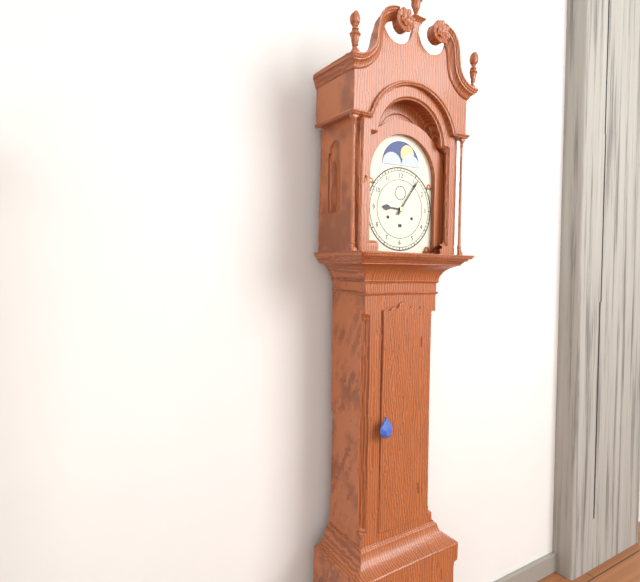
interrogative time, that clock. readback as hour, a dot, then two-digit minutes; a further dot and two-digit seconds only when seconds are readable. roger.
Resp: 9.06
